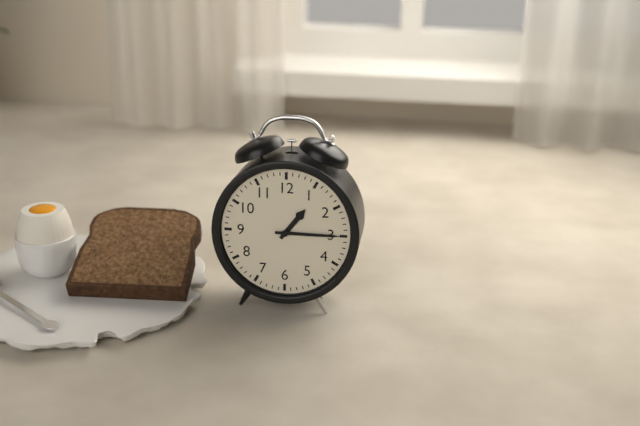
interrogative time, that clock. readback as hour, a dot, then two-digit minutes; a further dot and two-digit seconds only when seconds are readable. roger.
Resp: 1.15
